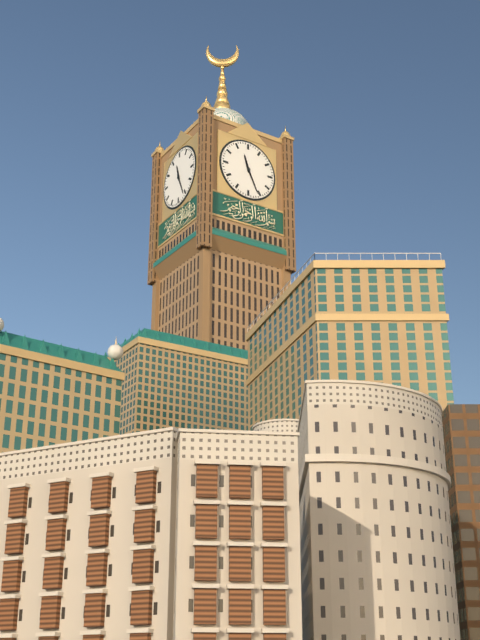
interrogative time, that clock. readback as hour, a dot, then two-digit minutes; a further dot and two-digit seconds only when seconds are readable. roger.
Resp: 11.26
